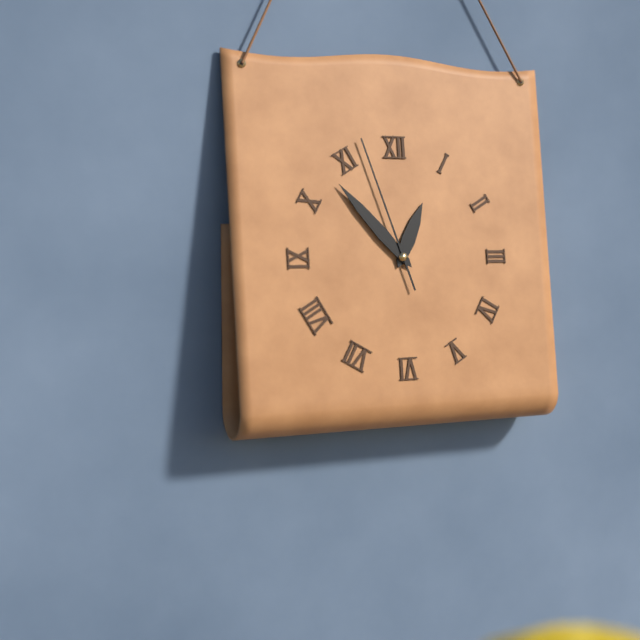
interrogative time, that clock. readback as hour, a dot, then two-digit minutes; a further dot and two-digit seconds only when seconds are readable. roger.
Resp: 12.53.57
